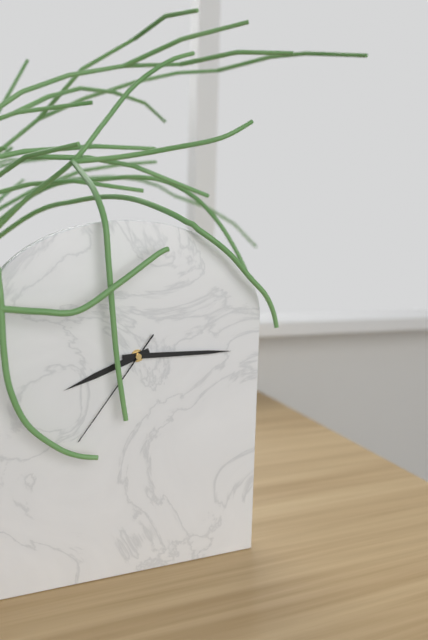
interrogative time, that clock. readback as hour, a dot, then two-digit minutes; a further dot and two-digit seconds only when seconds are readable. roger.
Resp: 8.15.36
